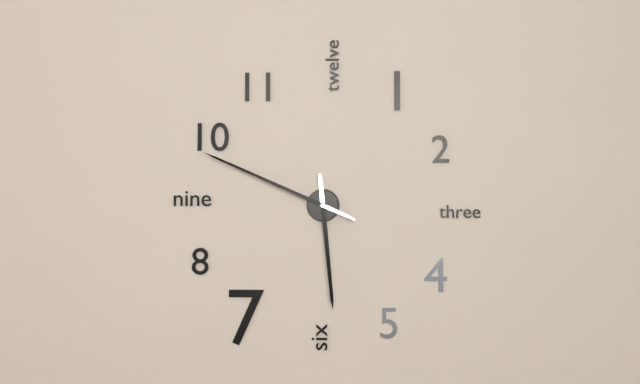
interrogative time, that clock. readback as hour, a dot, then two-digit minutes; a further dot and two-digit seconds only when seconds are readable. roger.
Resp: 5.49
